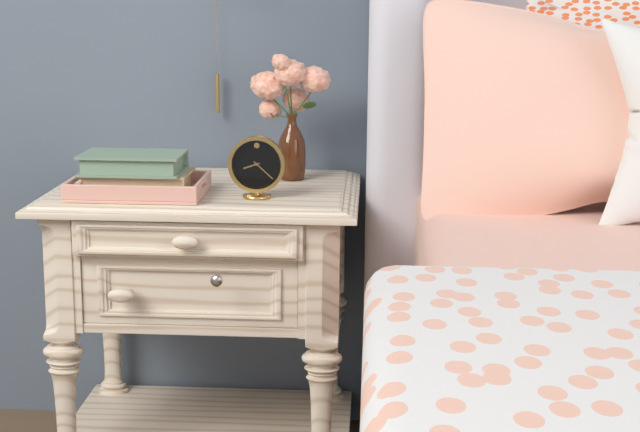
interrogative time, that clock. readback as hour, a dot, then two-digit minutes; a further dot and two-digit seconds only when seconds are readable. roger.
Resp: 8.22
